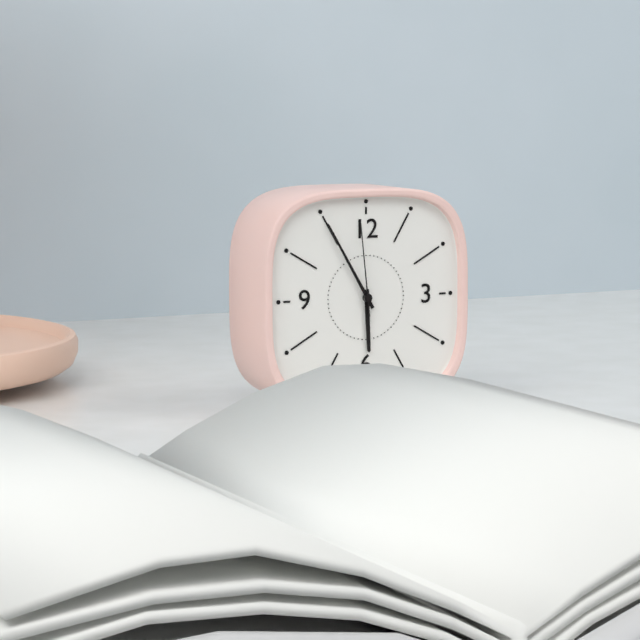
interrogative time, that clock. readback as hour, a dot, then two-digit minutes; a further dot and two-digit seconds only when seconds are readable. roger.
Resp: 5.55.59
